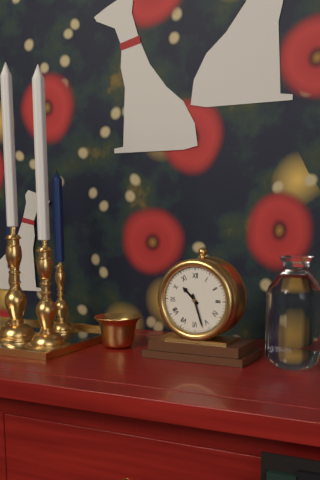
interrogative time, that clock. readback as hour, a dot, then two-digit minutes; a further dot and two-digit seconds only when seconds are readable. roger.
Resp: 10.27
